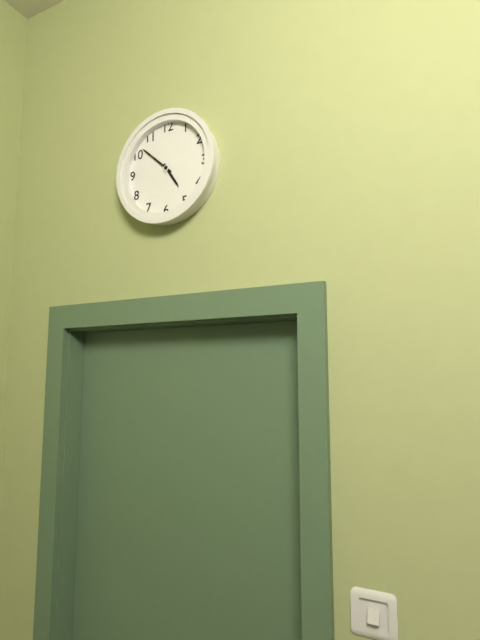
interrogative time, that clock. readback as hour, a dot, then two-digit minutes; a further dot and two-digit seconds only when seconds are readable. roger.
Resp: 4.52
